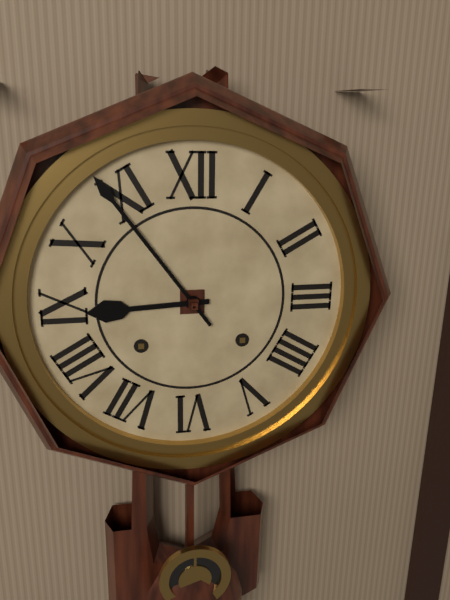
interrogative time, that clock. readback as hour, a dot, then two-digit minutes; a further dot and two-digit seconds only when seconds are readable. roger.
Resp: 8.54
